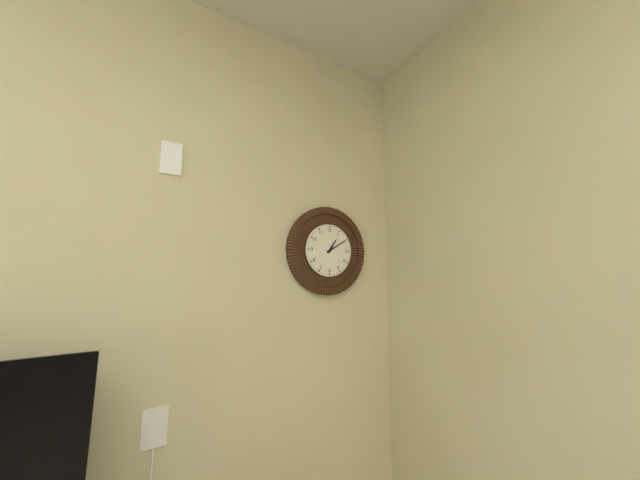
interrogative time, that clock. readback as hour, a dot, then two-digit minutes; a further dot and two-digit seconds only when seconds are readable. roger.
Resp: 1.10
